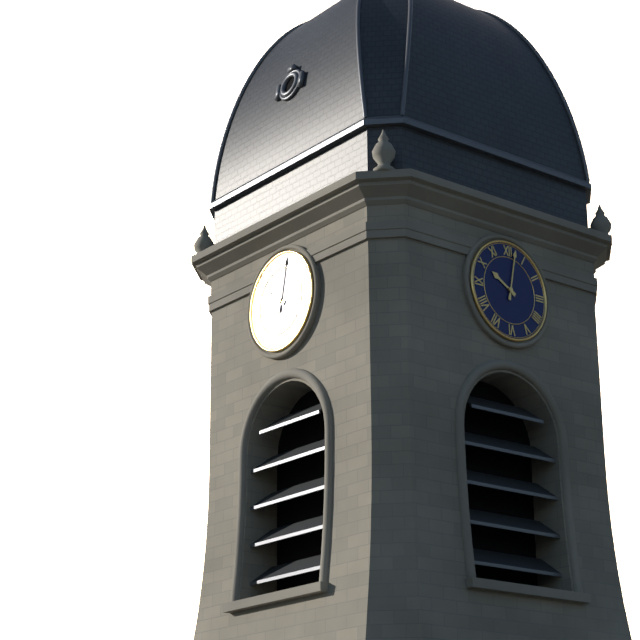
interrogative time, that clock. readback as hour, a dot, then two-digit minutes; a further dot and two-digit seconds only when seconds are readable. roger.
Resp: 10.02
